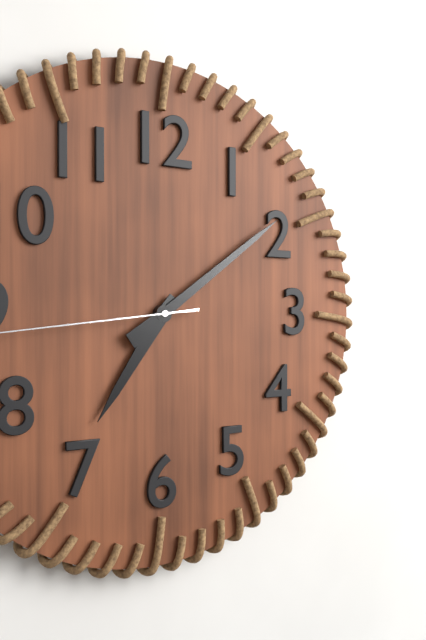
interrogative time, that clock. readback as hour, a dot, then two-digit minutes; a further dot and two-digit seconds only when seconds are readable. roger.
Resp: 7.09
